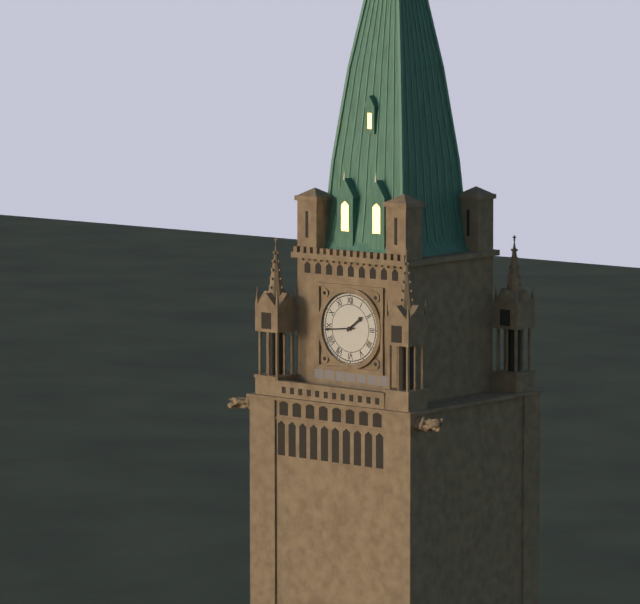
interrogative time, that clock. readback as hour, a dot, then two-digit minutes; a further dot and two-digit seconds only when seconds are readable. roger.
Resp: 1.44
